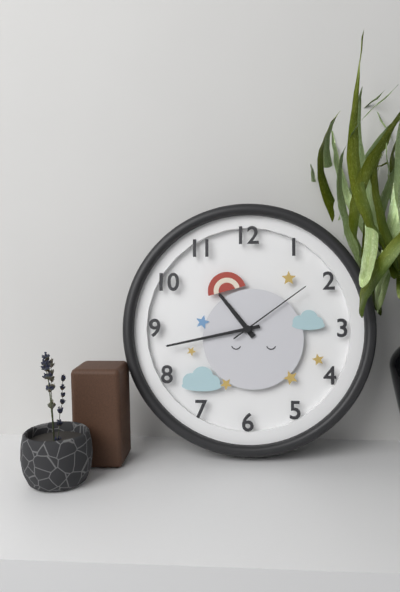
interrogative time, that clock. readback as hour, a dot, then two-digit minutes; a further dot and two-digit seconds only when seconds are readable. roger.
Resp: 10.43.09
